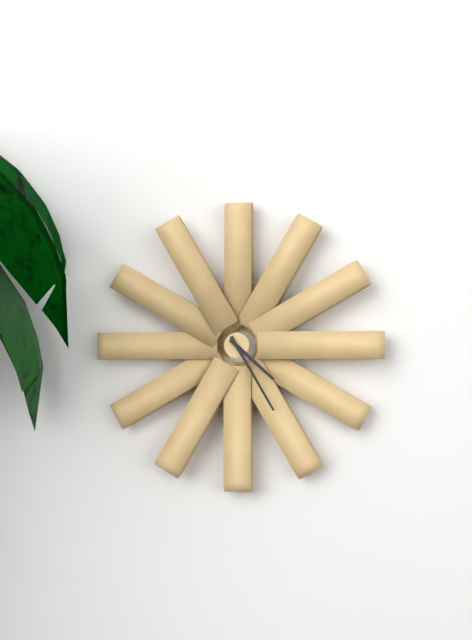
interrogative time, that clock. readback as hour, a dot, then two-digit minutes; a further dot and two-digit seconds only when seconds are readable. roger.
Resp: 4.25
